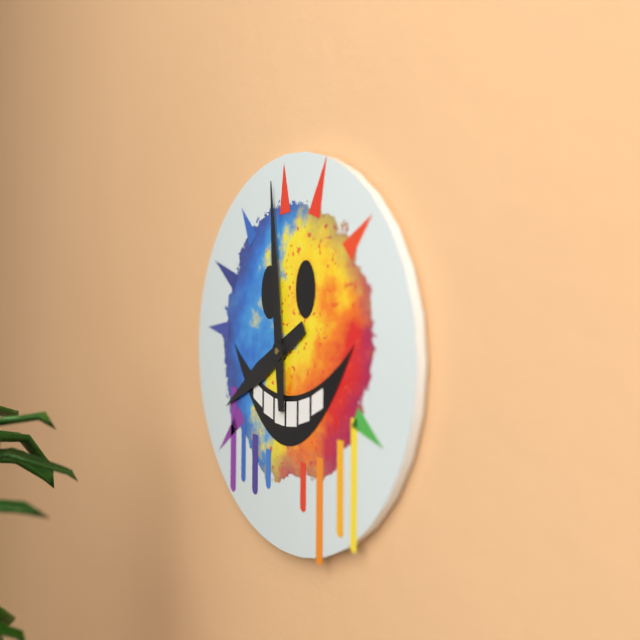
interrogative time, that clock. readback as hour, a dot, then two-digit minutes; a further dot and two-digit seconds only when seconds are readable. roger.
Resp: 7.59
